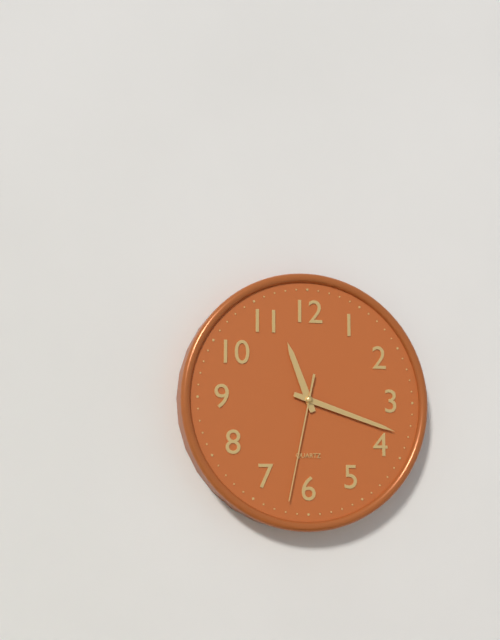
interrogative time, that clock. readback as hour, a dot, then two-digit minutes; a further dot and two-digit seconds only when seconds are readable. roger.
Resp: 11.18.32
